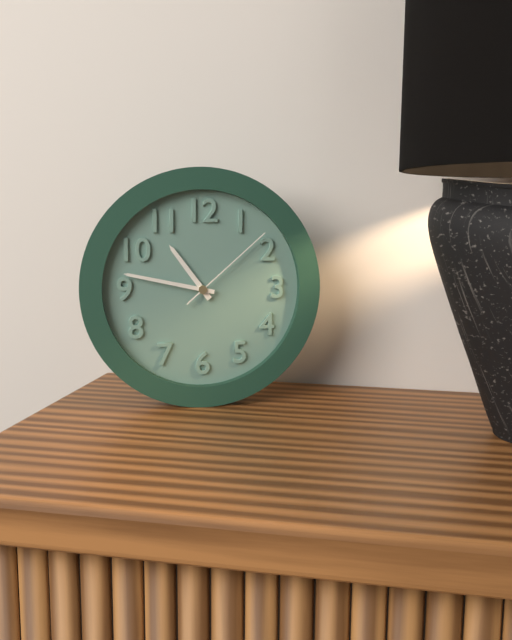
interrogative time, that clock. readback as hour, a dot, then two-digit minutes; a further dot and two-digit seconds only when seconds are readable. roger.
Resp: 10.47.08
